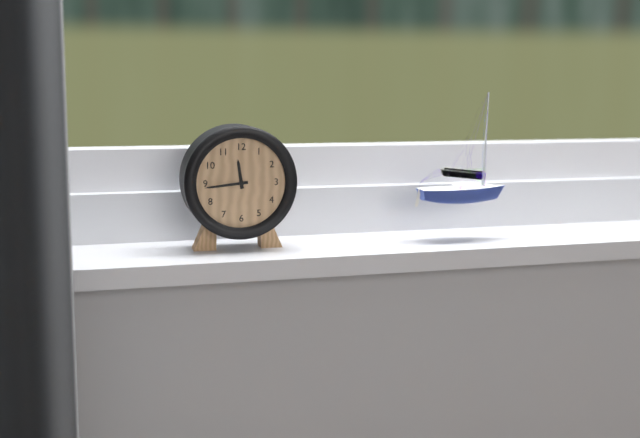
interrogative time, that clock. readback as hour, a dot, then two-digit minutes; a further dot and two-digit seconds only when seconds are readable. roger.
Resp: 11.44
